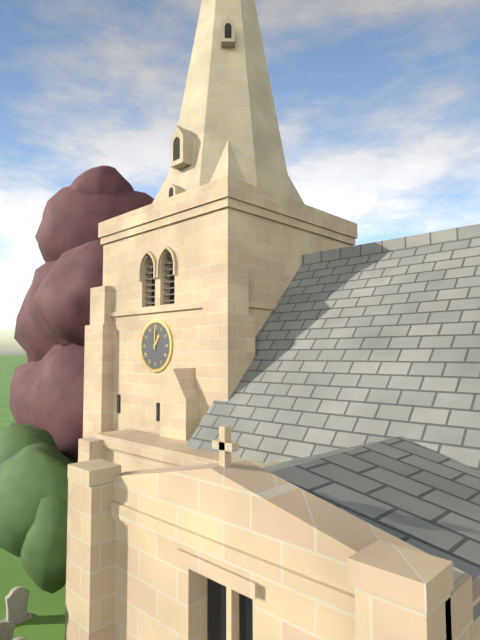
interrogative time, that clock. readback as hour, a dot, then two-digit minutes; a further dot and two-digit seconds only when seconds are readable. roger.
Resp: 1.00
